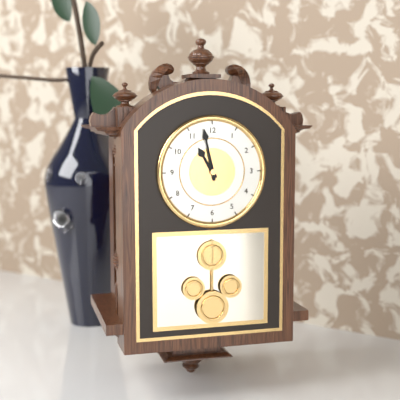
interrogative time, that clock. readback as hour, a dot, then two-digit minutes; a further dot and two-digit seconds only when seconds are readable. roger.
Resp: 10.58
